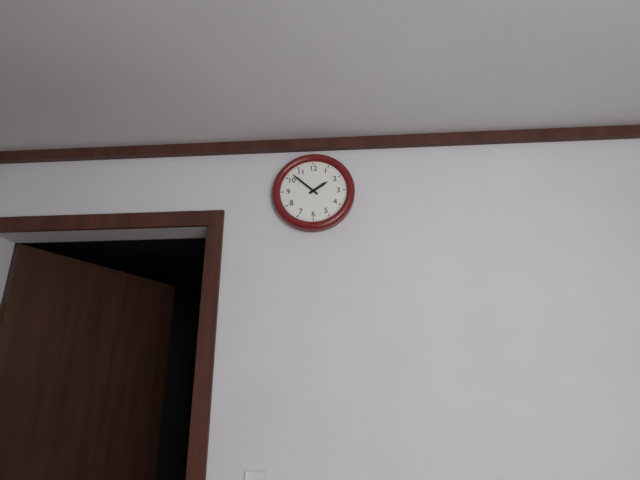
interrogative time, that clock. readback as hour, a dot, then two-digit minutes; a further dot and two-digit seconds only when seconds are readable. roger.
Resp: 1.52
